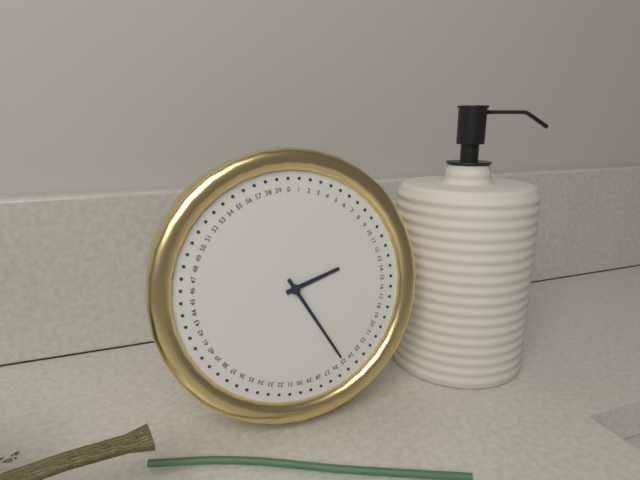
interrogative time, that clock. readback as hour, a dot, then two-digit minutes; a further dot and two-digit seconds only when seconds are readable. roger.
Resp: 2.25
